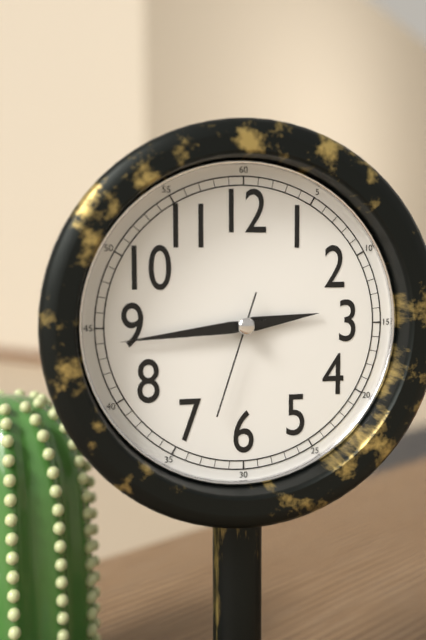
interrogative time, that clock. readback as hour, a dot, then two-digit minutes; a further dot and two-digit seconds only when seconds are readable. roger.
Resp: 2.44.33
